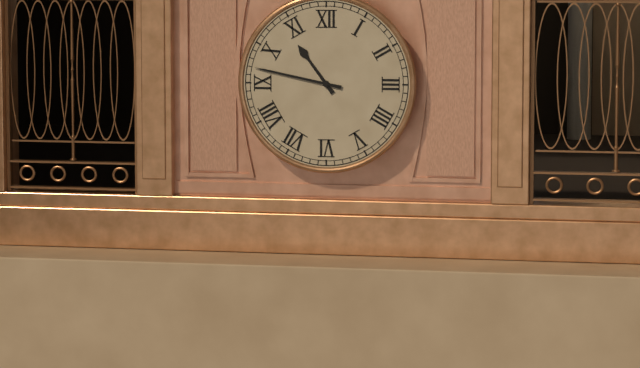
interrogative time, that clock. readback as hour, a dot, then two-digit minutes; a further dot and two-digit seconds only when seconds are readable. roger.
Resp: 10.47
